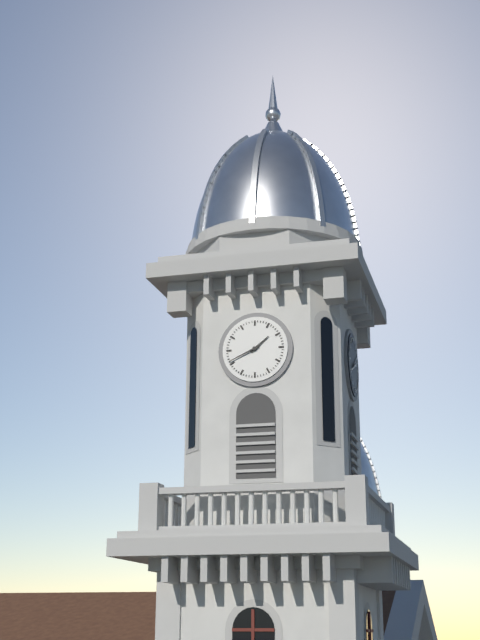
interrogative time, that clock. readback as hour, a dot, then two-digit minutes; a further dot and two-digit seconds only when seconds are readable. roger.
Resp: 1.41
